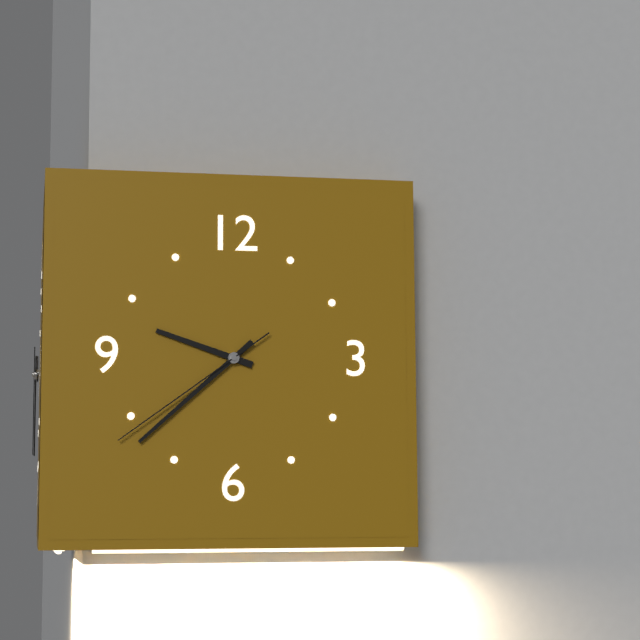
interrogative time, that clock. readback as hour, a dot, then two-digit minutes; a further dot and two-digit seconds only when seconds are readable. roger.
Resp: 9.38.39
